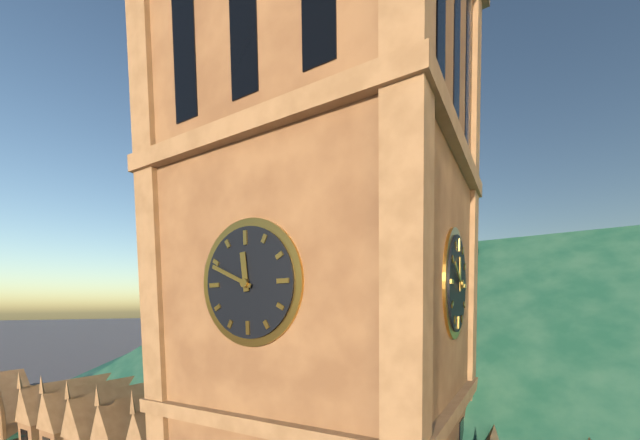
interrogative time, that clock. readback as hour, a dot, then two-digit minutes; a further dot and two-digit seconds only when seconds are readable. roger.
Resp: 11.49
